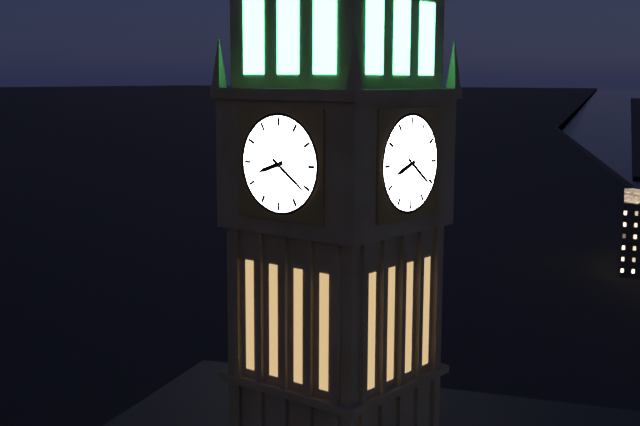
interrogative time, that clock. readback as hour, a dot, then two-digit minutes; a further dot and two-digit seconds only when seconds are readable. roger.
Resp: 8.21
